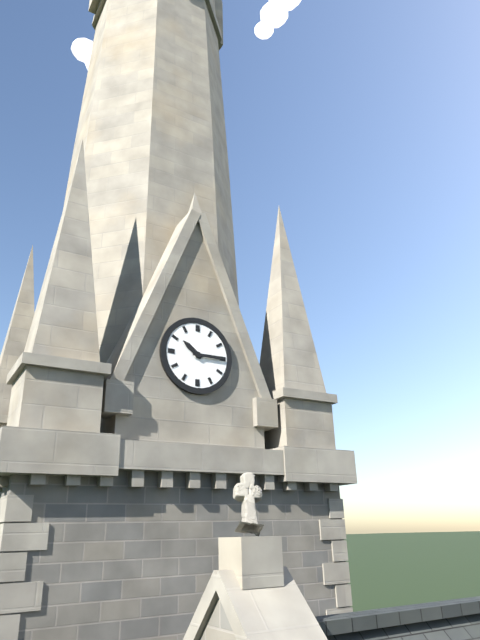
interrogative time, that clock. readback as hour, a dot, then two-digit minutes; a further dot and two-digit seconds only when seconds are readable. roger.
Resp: 10.15
